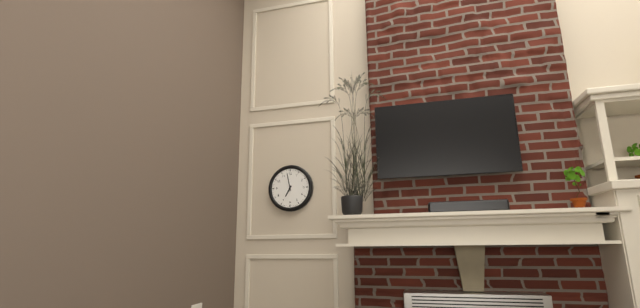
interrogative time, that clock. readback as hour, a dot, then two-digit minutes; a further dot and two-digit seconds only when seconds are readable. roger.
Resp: 6.58
